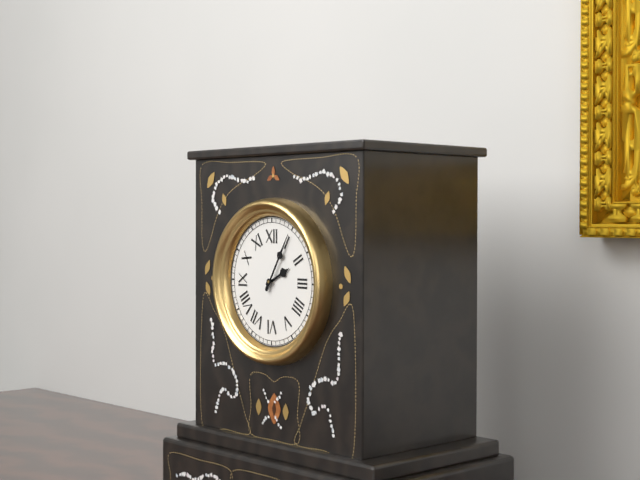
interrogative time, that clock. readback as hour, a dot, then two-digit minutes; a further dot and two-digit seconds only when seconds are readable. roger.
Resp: 2.05
